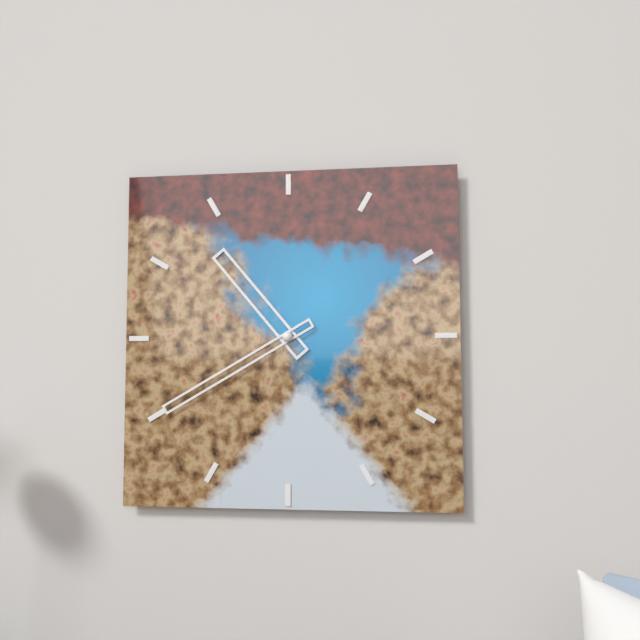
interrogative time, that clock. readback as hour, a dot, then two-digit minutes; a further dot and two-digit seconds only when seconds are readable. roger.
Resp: 10.40
